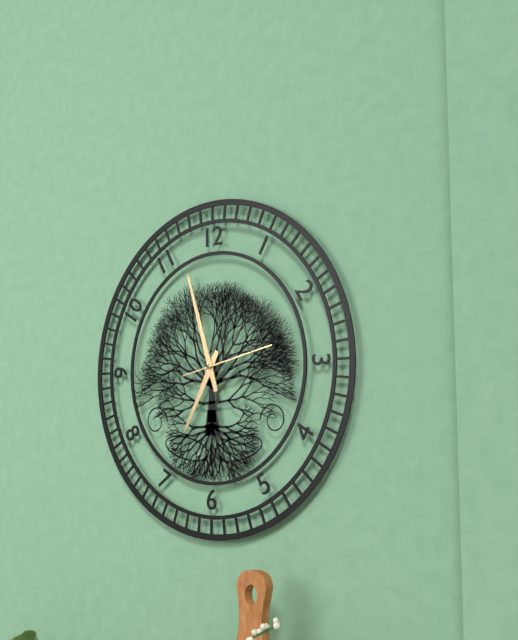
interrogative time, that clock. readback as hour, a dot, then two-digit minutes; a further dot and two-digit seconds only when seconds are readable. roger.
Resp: 6.57.13
